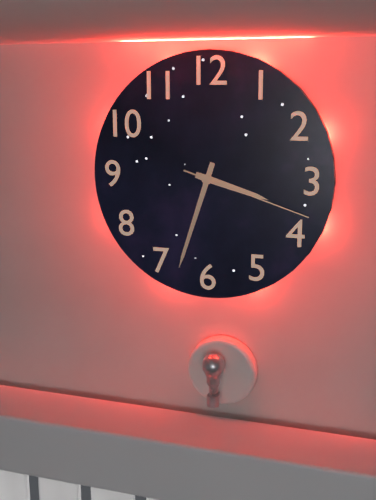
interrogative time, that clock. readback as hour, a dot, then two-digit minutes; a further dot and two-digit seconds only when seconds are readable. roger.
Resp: 3.33.18
